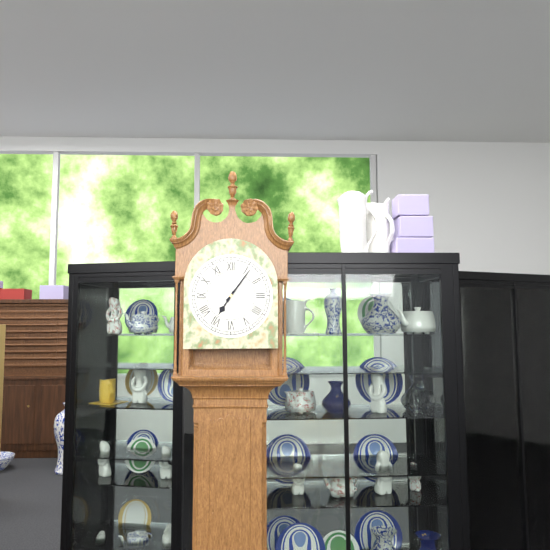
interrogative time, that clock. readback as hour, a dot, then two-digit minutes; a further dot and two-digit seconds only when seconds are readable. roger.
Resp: 7.06
